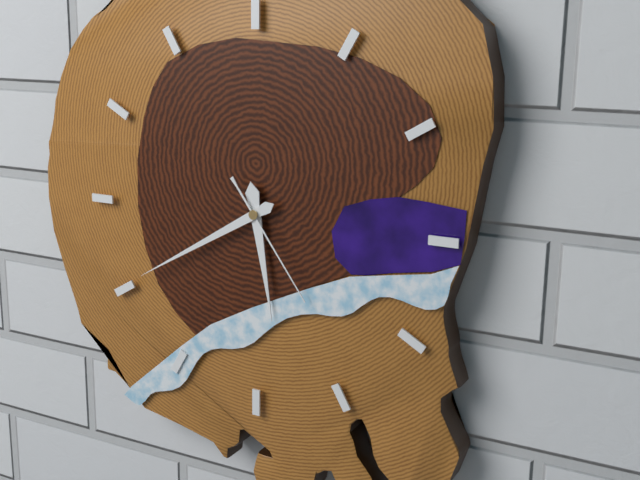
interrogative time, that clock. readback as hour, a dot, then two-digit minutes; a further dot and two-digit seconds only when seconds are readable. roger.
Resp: 5.40.24
